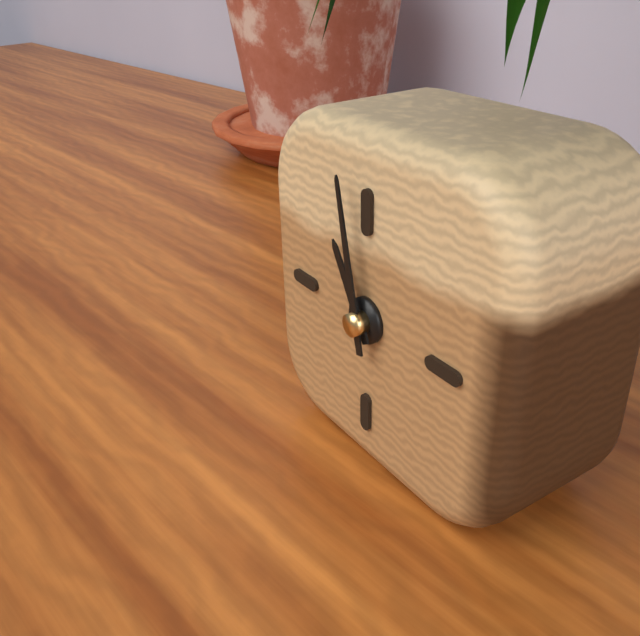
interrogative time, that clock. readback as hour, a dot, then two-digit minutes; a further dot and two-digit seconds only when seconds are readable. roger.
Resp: 10.58
